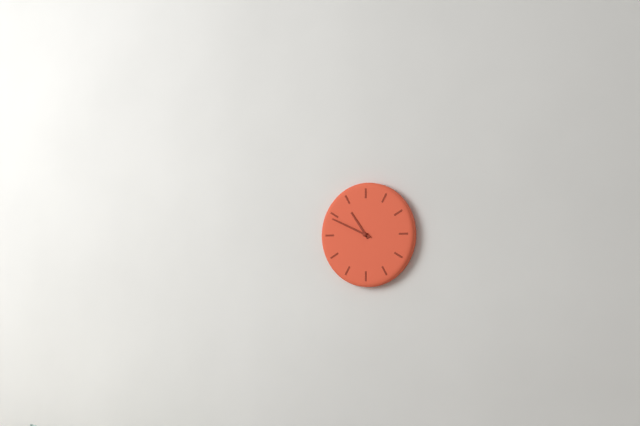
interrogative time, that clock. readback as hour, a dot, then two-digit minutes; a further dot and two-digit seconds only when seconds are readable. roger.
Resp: 10.49
